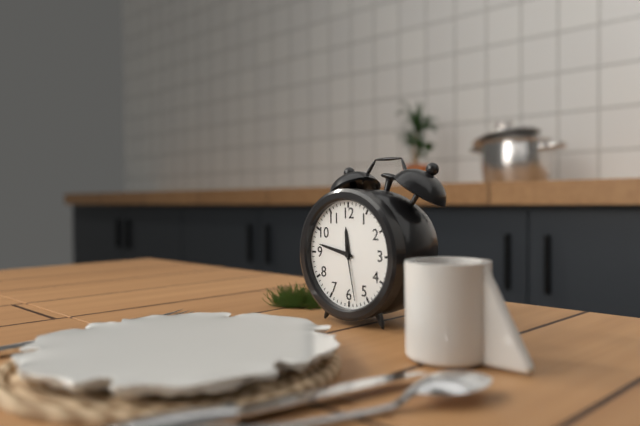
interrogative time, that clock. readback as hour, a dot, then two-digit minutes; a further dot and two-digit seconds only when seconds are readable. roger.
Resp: 11.47.28
